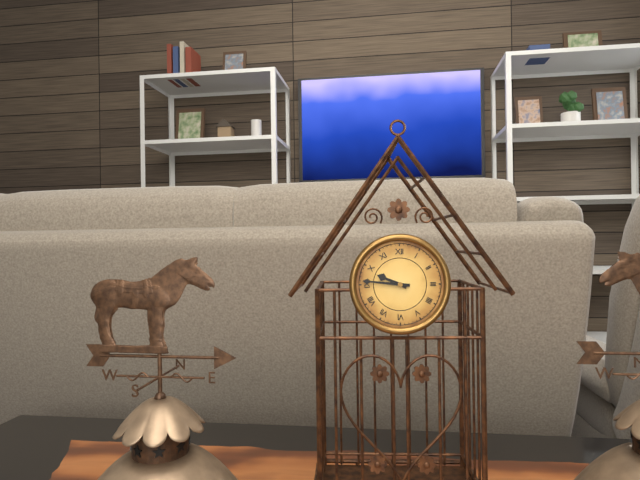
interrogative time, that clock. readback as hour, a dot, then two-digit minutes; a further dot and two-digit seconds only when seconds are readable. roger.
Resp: 9.46
